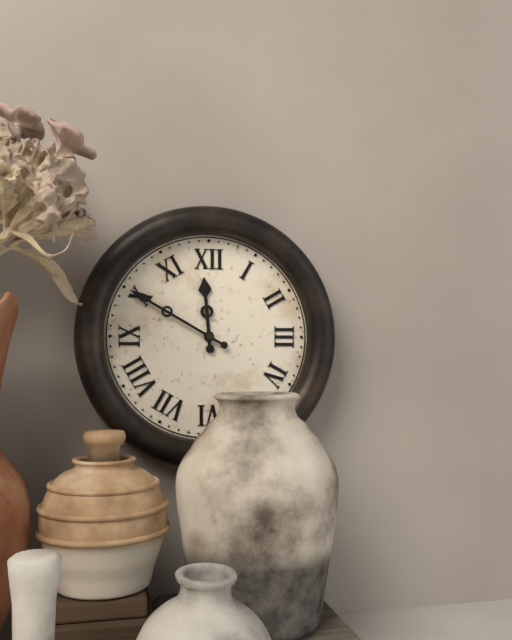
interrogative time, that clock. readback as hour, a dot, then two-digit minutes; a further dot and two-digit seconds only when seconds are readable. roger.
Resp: 11.50
